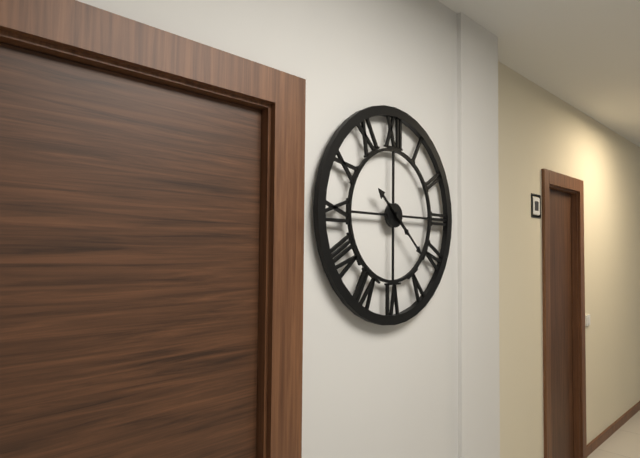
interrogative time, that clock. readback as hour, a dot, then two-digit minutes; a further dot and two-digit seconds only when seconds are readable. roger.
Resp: 10.22
